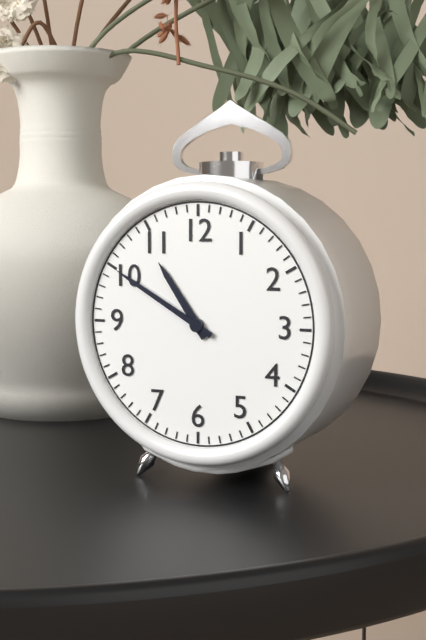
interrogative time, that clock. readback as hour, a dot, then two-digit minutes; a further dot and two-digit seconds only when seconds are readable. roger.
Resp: 10.50
